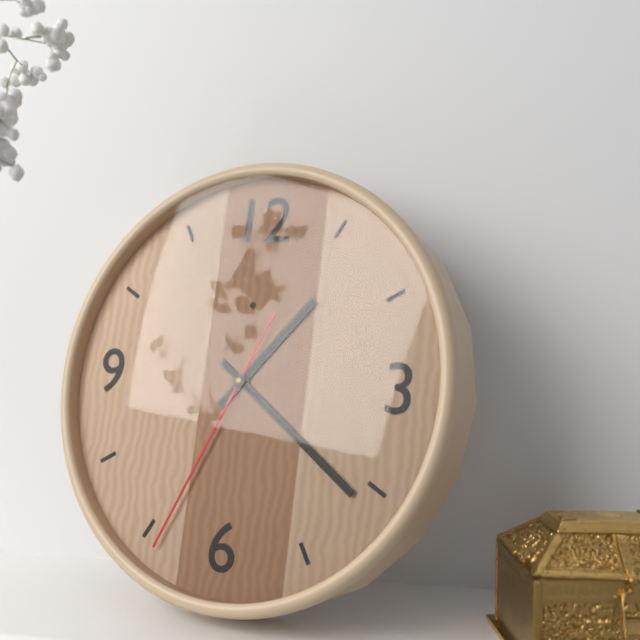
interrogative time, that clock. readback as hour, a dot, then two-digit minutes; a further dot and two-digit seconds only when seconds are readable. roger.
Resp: 1.21.34
